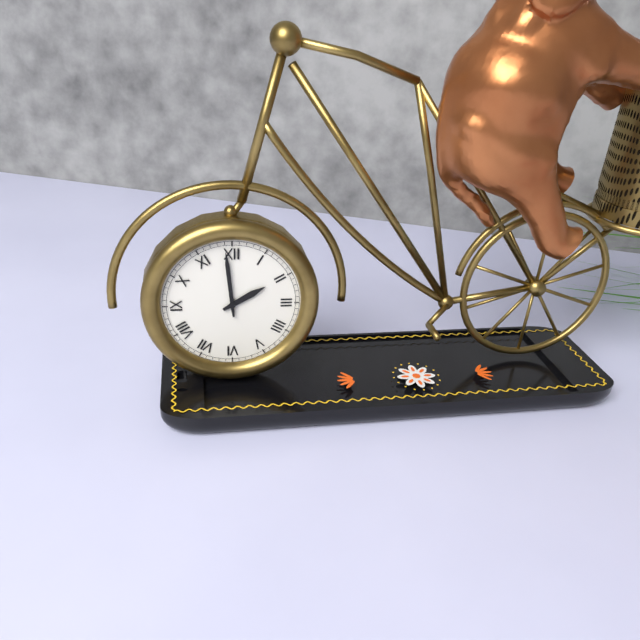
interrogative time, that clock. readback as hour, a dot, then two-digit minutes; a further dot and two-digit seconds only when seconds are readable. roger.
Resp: 1.59
